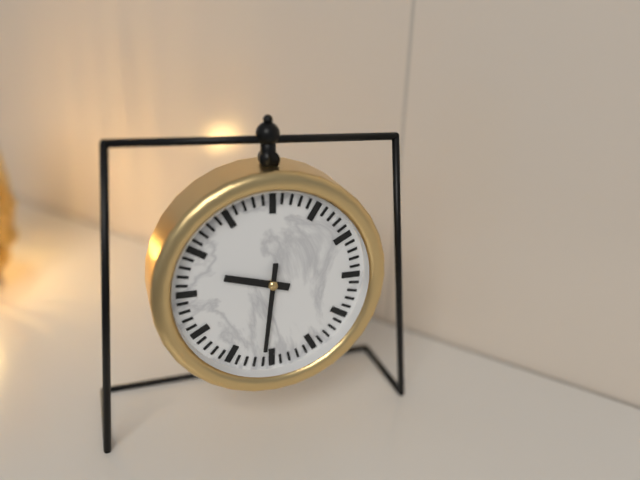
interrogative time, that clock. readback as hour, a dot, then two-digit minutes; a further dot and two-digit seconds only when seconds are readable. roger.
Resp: 9.31
